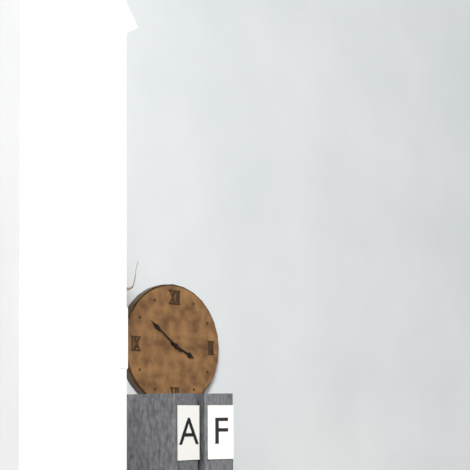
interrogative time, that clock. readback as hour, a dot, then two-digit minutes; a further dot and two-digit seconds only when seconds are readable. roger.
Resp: 3.51
